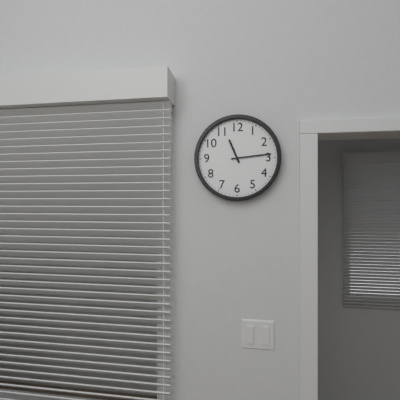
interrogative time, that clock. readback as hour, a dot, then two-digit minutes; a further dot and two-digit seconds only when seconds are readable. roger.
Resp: 11.14
